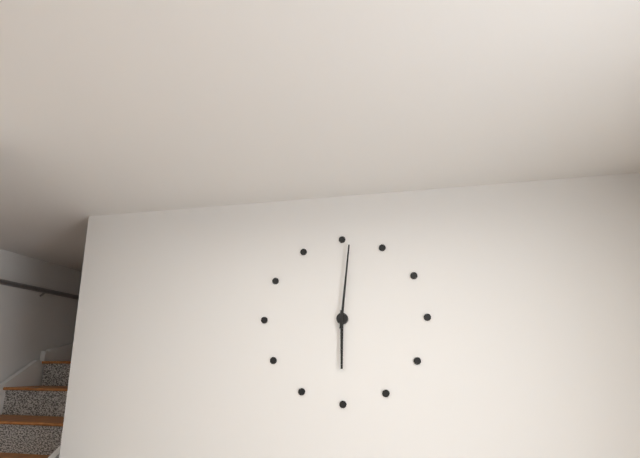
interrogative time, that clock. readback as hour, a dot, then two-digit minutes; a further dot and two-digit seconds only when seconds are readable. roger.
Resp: 6.01
